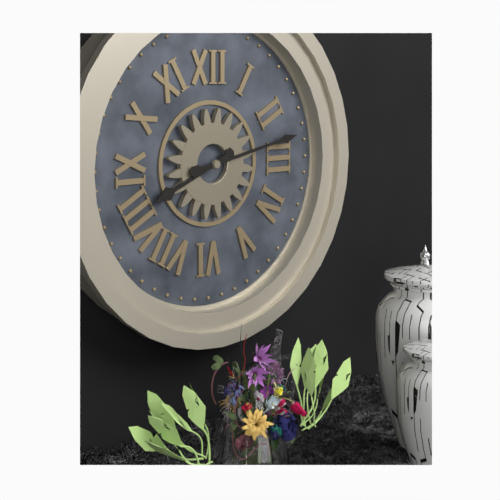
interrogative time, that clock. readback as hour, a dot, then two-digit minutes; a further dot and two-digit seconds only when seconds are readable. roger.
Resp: 8.13
